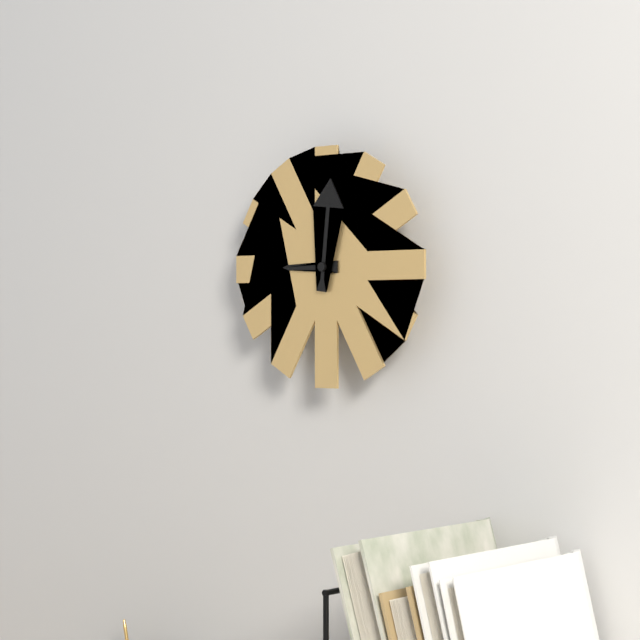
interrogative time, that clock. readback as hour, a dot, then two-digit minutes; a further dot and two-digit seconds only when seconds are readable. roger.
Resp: 9.01
